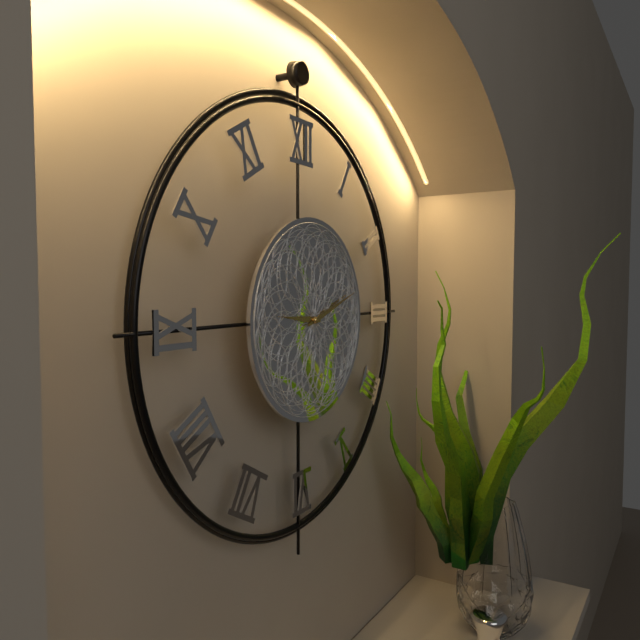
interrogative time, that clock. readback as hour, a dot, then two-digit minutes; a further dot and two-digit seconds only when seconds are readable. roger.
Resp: 9.12
